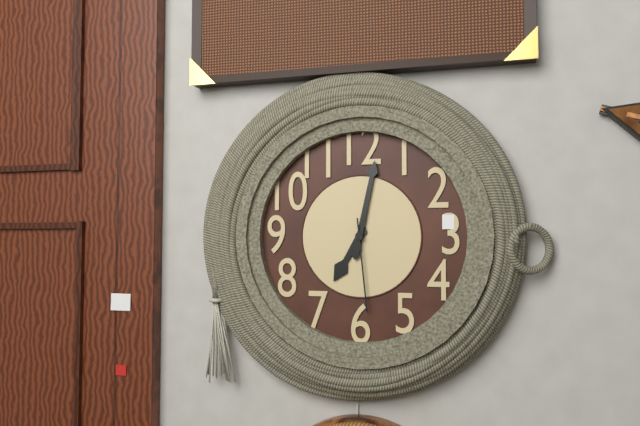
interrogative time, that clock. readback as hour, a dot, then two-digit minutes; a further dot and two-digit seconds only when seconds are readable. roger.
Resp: 7.02.29
